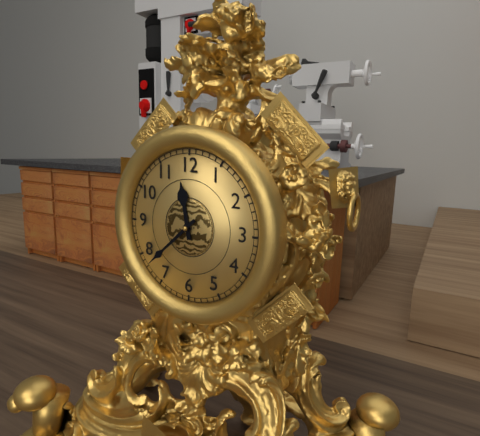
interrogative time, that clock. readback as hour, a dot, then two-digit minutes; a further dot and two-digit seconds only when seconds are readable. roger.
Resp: 11.38
